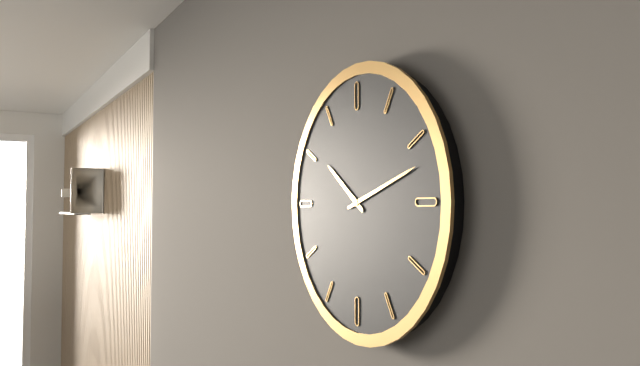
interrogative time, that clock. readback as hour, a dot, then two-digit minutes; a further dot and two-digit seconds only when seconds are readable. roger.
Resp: 10.12
